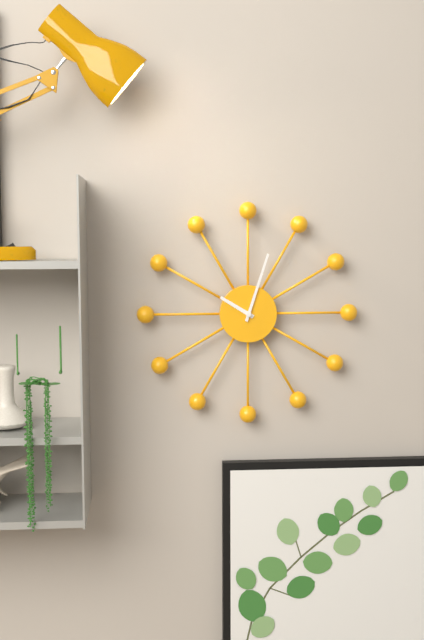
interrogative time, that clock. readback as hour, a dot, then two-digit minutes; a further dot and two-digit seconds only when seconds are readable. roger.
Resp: 10.03
